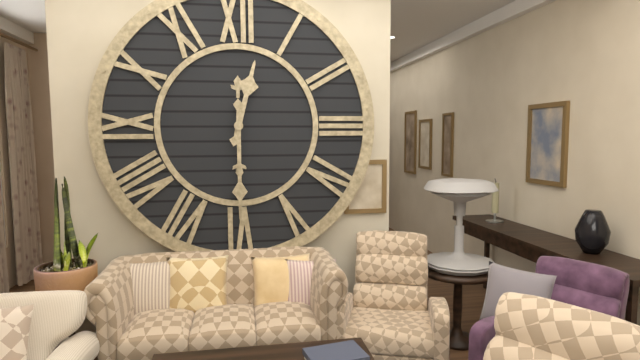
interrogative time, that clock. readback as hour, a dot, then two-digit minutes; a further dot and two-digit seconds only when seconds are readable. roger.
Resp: 12.30
